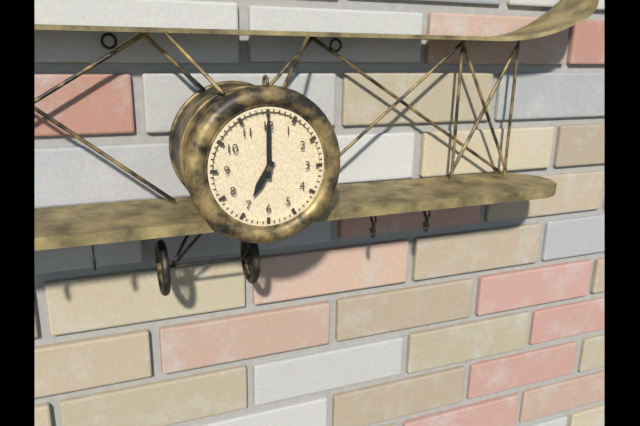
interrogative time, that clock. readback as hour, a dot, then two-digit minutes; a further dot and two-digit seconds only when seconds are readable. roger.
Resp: 7.00
